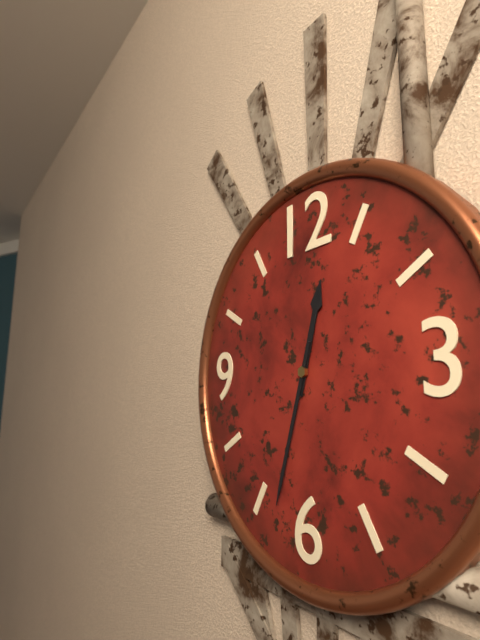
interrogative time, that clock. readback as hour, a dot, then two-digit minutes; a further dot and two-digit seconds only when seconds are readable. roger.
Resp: 12.33
